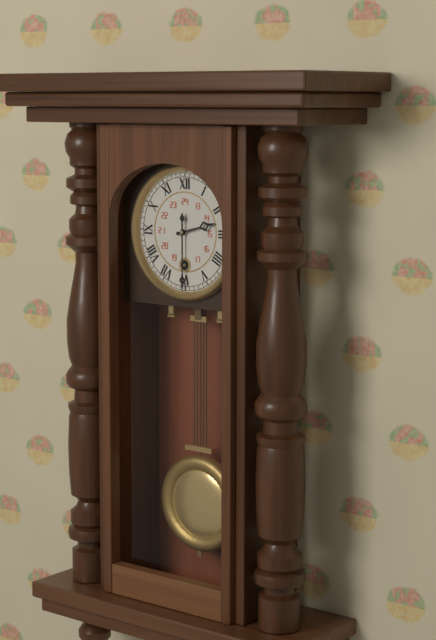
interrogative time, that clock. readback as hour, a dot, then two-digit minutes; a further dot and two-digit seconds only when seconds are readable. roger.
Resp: 2.30
